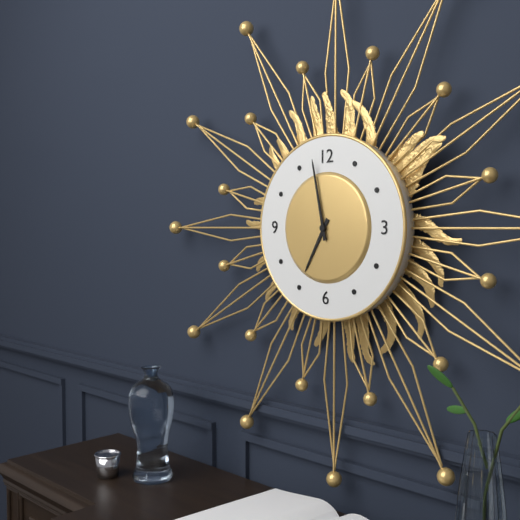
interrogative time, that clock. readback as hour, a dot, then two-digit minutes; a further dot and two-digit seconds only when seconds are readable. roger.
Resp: 6.58
